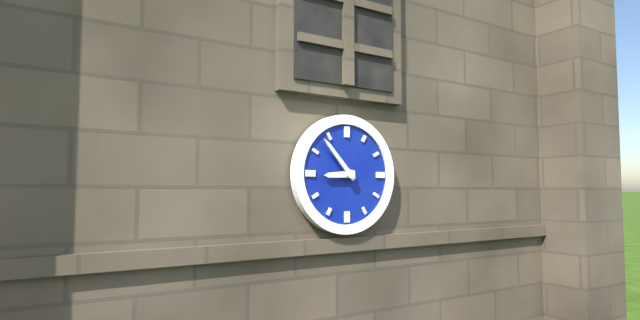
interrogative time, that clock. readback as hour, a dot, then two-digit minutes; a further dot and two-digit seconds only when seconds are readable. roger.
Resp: 8.53
